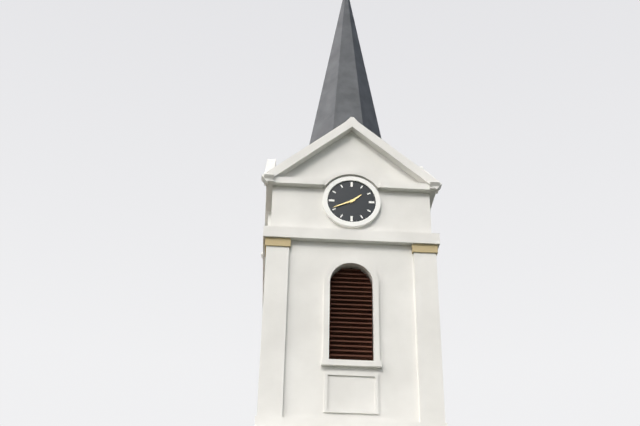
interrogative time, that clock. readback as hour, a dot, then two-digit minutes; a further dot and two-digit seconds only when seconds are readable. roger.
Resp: 1.41
